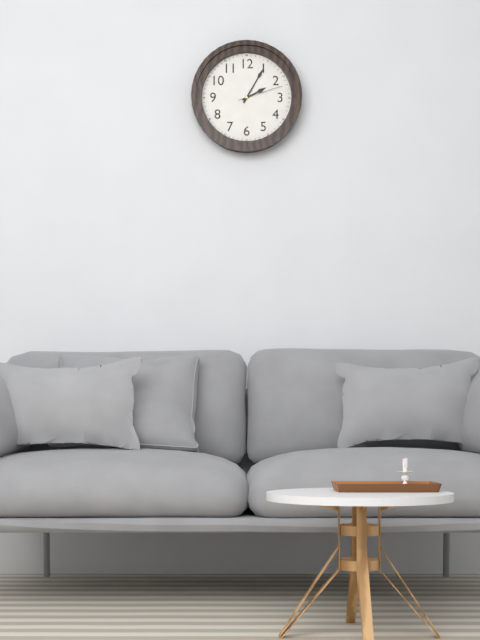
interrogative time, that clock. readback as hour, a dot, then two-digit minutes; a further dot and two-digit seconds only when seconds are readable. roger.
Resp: 2.05
